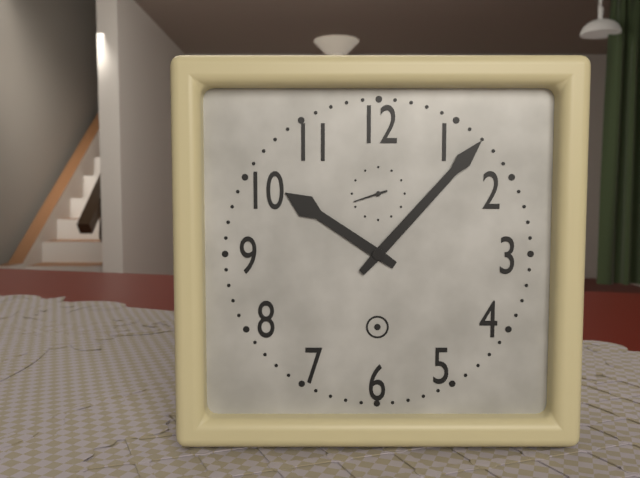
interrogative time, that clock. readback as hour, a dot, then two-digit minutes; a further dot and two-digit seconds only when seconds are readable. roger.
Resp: 10.07
